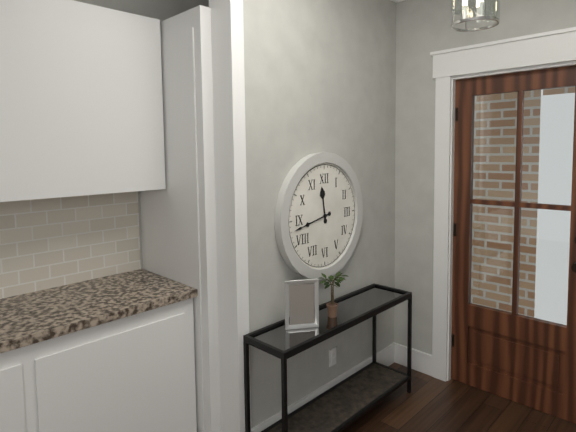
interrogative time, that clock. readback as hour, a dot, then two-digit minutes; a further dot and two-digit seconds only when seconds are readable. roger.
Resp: 11.43
